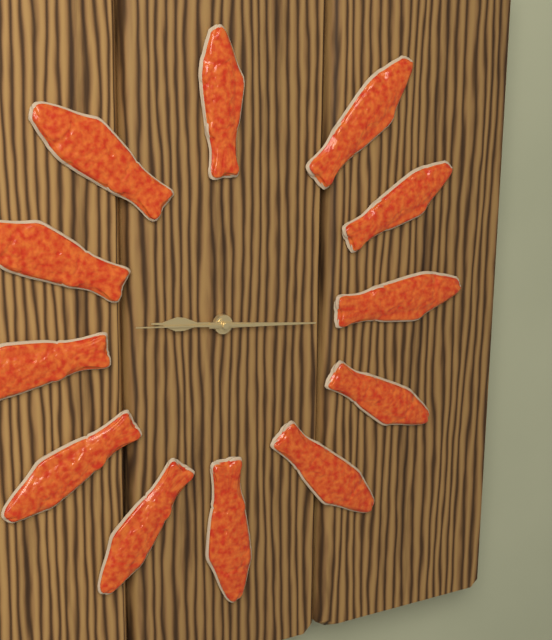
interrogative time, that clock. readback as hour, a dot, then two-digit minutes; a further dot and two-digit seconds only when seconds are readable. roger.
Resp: 9.16.46
